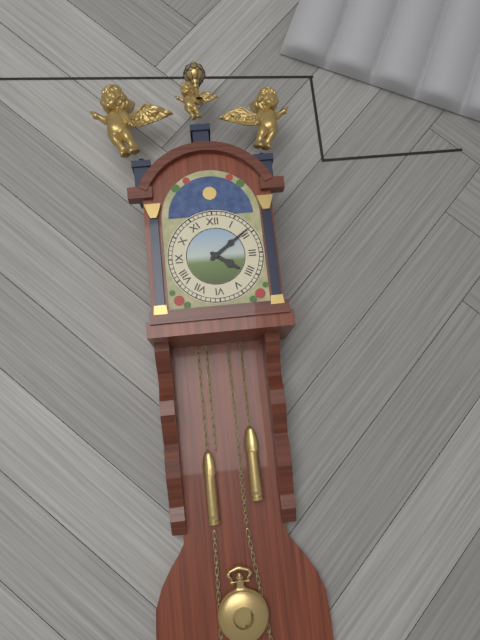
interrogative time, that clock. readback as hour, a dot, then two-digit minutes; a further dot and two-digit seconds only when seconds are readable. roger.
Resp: 4.09
